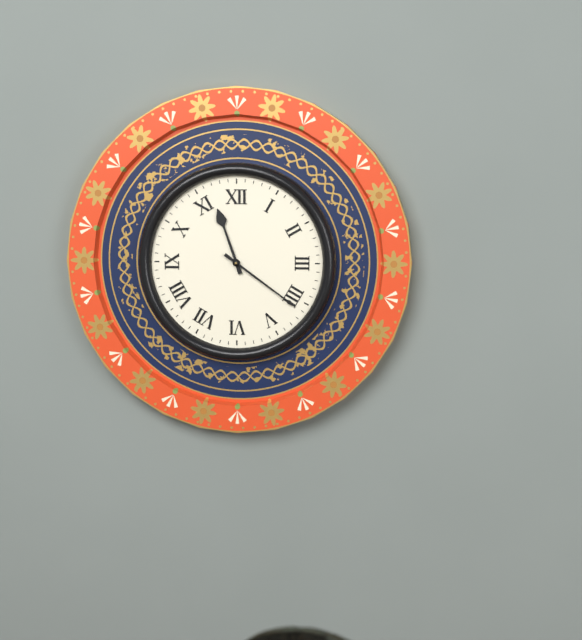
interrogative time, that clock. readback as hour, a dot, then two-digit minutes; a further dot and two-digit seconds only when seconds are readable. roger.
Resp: 11.21
